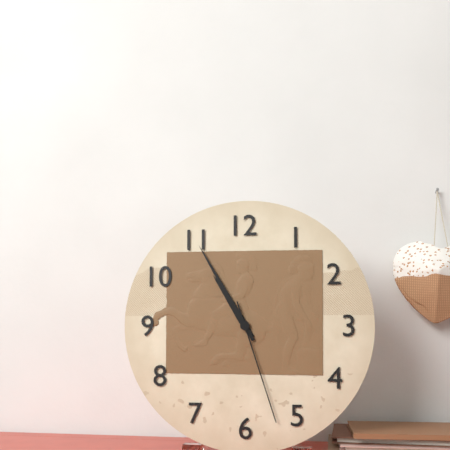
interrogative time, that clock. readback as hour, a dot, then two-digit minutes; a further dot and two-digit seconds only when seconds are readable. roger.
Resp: 10.55.27
